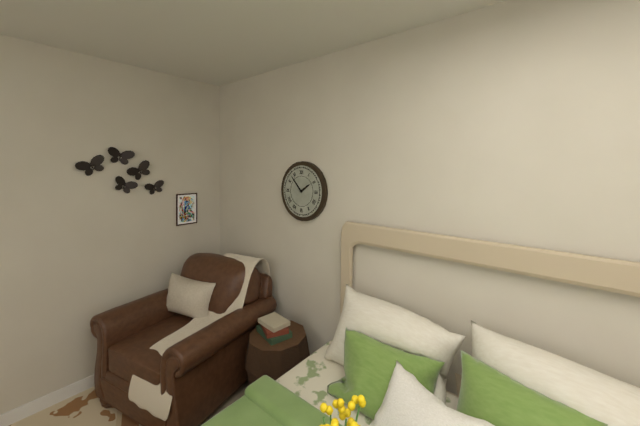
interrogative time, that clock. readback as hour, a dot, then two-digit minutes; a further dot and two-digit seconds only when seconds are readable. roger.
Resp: 1.53
